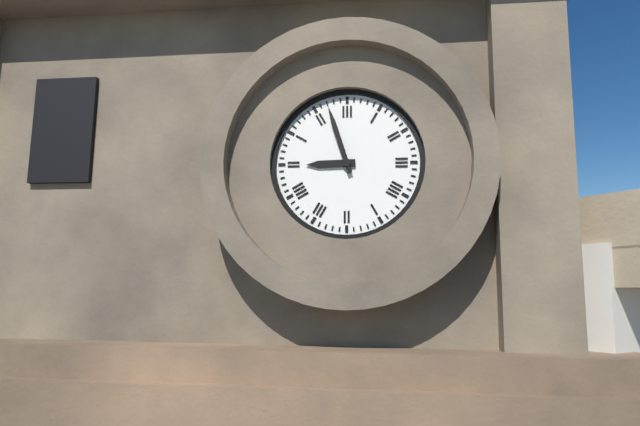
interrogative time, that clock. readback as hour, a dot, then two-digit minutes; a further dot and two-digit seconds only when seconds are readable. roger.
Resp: 8.57
